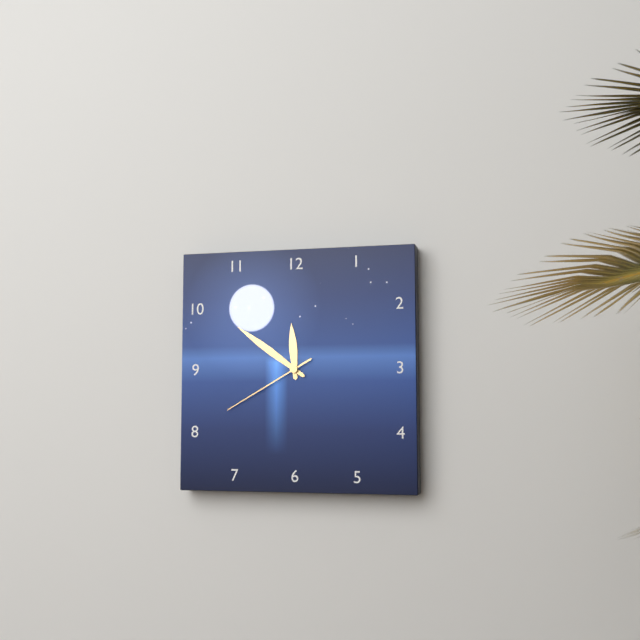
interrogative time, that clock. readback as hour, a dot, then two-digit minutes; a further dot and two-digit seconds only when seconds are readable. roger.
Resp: 11.51.40
